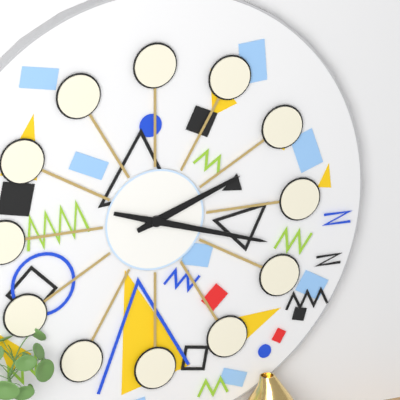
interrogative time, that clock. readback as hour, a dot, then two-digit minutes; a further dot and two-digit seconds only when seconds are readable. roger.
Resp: 2.18
